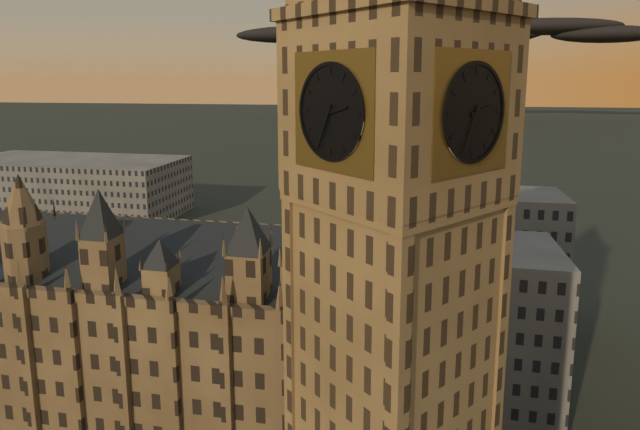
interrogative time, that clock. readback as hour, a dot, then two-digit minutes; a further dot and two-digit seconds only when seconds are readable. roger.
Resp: 2.34
